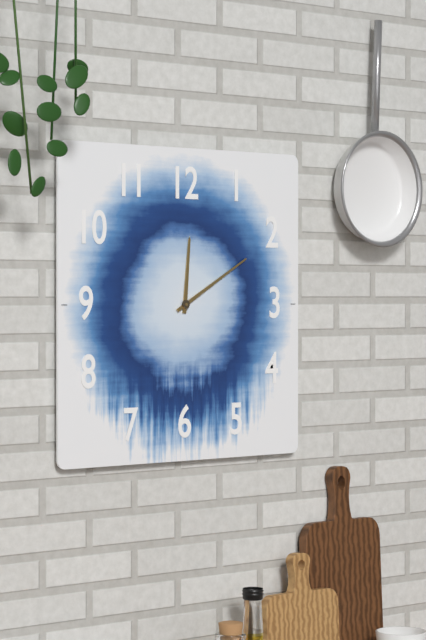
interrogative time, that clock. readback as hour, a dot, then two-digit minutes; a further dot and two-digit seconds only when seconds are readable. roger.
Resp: 12.10
